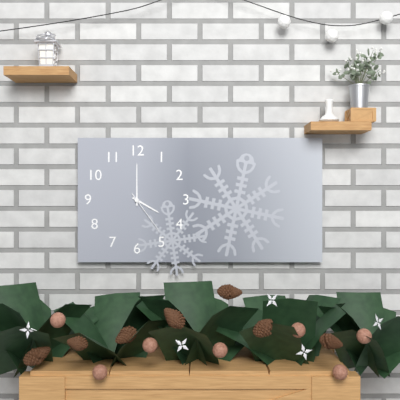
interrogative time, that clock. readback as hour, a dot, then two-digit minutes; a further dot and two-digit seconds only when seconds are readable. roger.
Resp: 4.00
